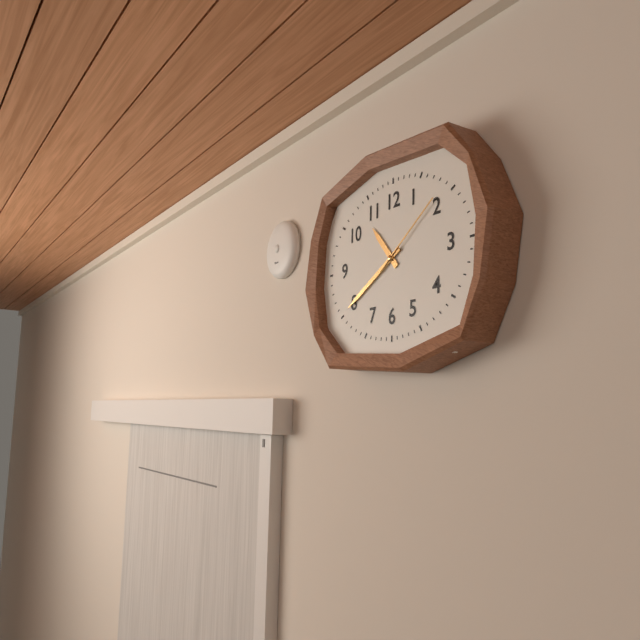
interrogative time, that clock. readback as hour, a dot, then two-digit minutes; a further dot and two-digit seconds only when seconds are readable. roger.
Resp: 10.40.09
